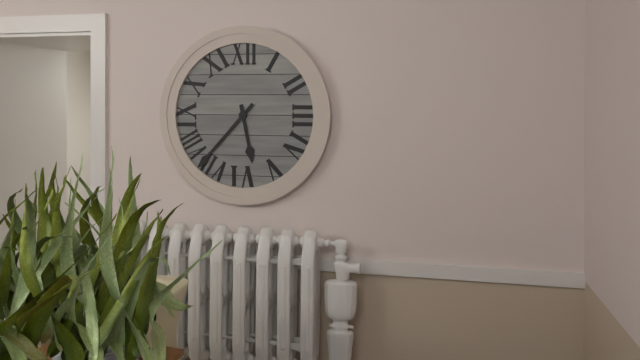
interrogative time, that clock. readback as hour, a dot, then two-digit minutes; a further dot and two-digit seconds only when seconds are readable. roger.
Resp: 5.37
